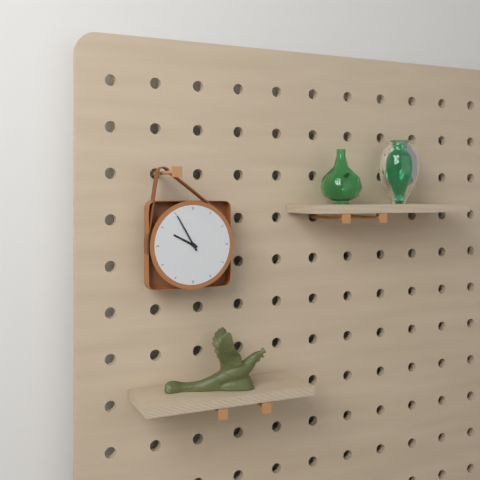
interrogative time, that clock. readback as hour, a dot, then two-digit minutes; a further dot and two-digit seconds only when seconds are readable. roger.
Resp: 9.55
